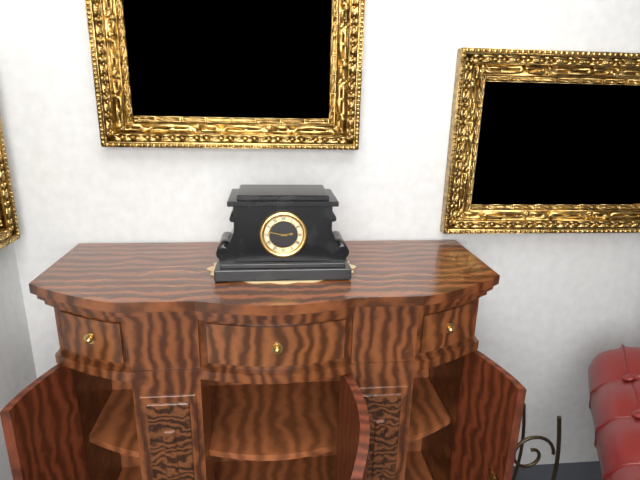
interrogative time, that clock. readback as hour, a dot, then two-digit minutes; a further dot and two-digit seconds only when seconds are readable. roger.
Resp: 2.47
